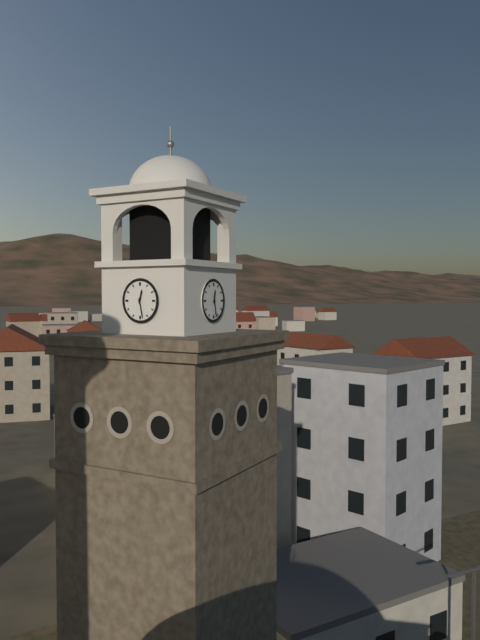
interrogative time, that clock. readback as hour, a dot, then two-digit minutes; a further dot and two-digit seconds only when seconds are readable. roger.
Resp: 12.28
